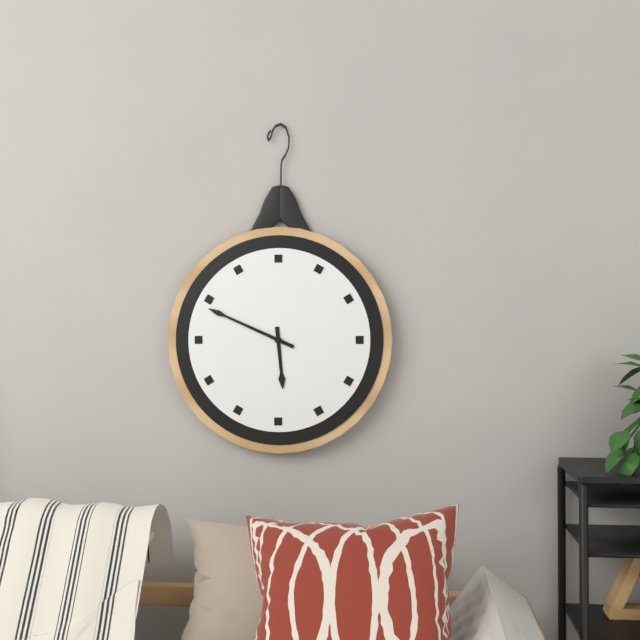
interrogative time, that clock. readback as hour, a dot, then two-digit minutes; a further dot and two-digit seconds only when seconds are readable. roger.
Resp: 5.49
